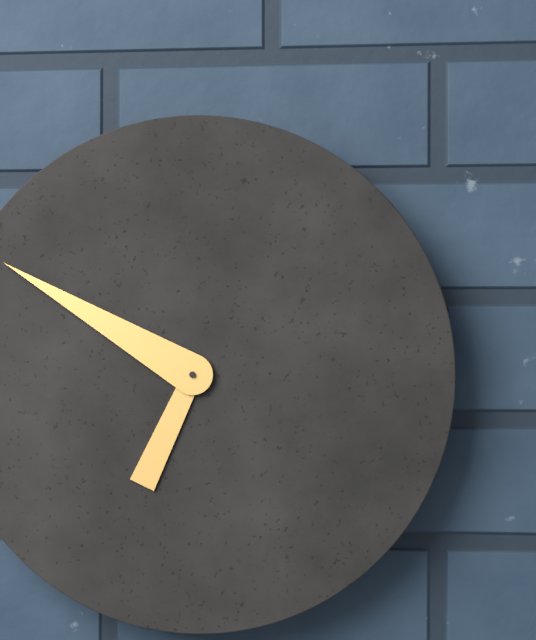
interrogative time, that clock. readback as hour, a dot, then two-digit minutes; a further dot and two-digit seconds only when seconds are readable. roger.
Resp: 6.50
